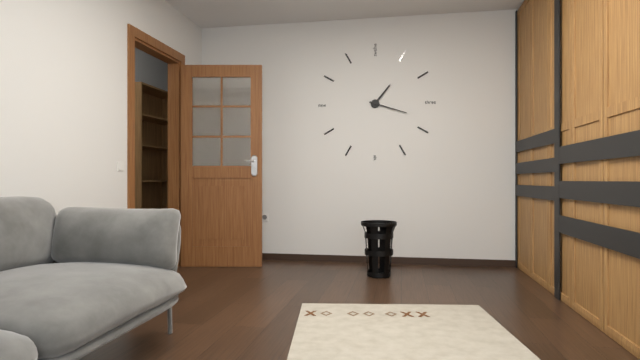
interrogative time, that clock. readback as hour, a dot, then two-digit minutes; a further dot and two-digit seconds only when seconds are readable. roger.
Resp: 1.18
